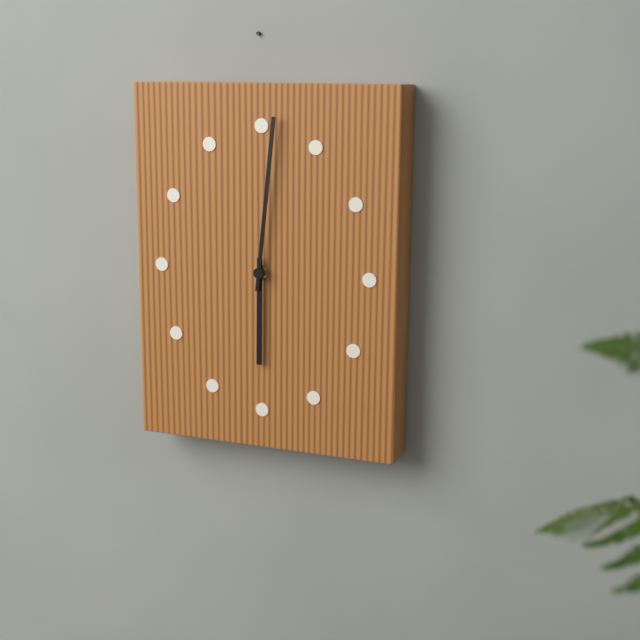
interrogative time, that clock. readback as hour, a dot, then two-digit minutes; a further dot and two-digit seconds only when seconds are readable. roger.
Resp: 6.01
